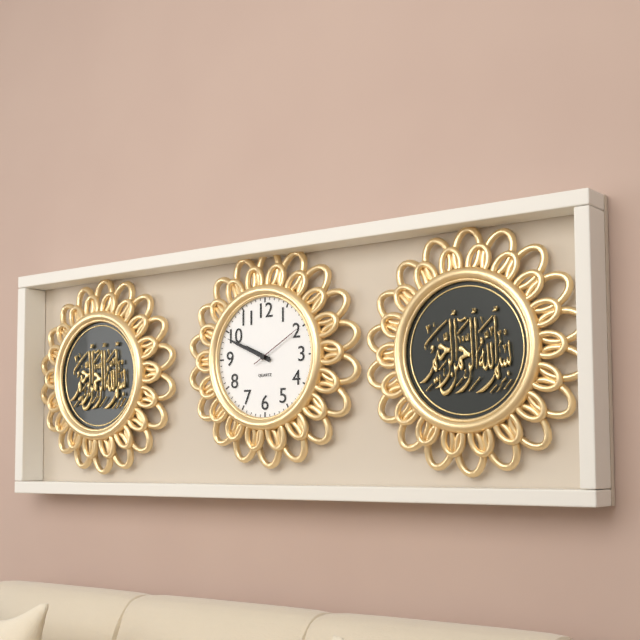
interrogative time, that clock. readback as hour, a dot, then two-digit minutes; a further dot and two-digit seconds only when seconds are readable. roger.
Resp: 9.49.10
